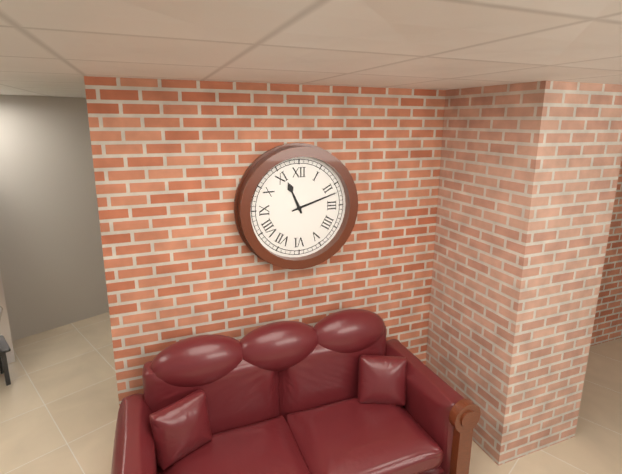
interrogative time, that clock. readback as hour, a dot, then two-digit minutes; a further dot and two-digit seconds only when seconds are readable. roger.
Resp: 11.12
